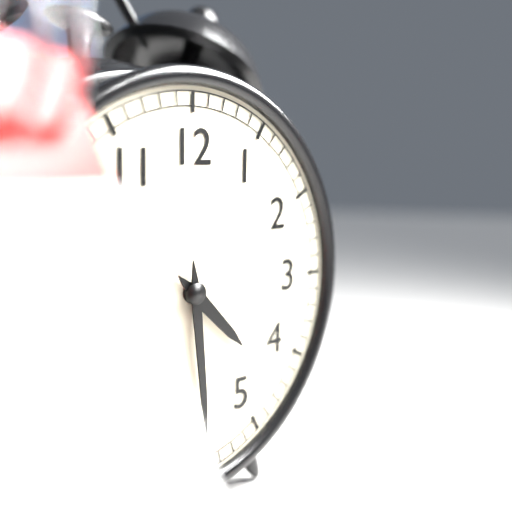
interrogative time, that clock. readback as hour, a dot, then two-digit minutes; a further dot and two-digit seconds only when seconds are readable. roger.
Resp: 4.29
